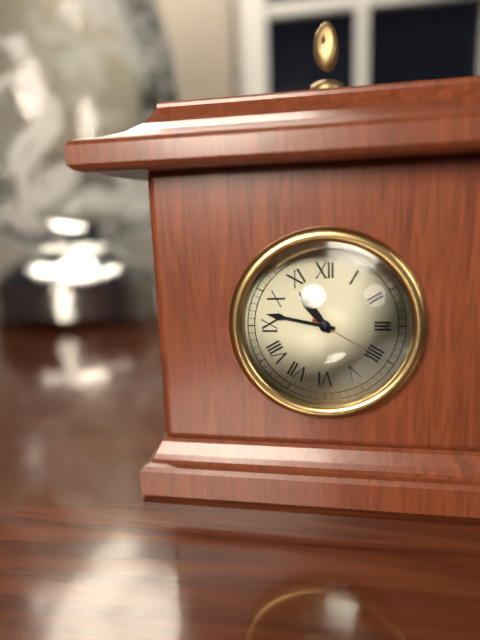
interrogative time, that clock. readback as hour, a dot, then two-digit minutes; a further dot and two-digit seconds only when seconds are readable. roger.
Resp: 10.47.20
